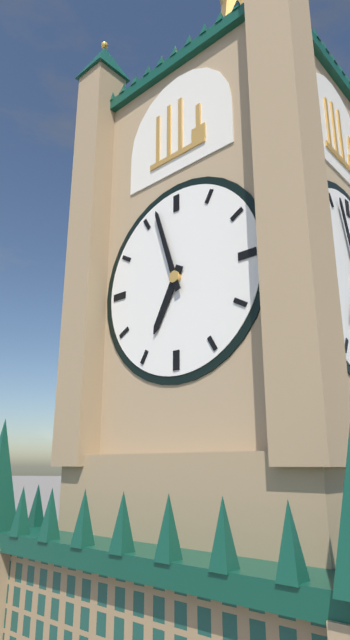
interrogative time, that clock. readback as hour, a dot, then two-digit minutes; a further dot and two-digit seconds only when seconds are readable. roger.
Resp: 6.57
